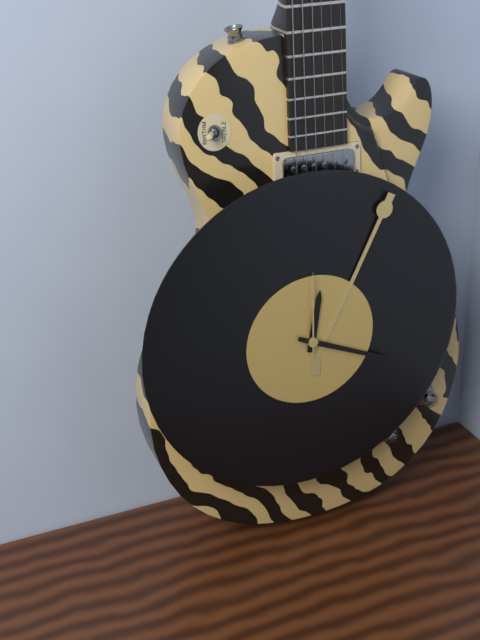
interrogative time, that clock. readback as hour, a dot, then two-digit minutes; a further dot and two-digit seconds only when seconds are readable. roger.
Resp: 12.19.00
